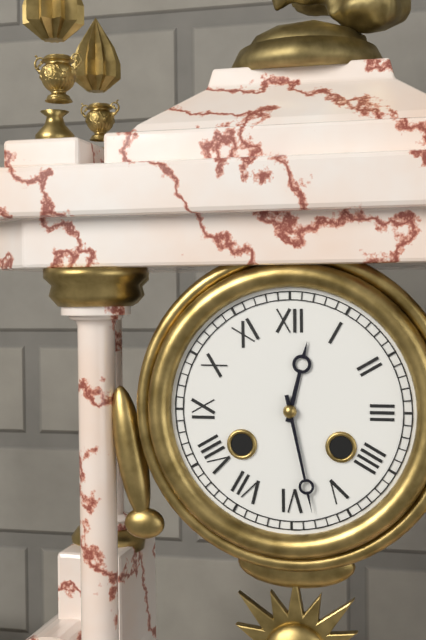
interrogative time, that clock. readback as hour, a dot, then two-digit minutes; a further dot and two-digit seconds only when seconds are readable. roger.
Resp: 12.28
